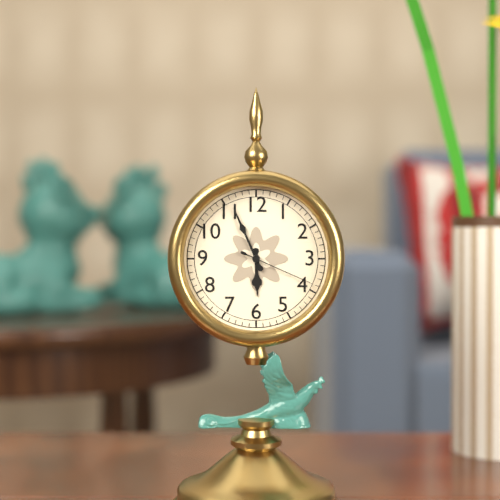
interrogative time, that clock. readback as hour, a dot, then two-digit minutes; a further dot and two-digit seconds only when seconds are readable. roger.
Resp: 5.56.19
